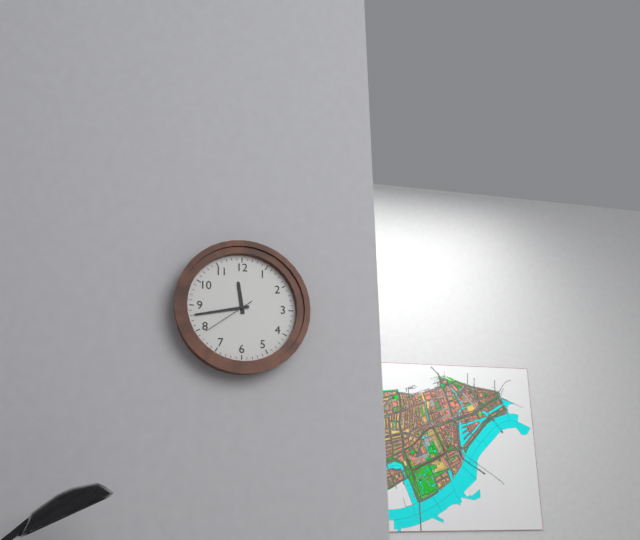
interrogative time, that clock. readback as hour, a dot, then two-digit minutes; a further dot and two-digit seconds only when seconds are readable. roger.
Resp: 11.43.39
